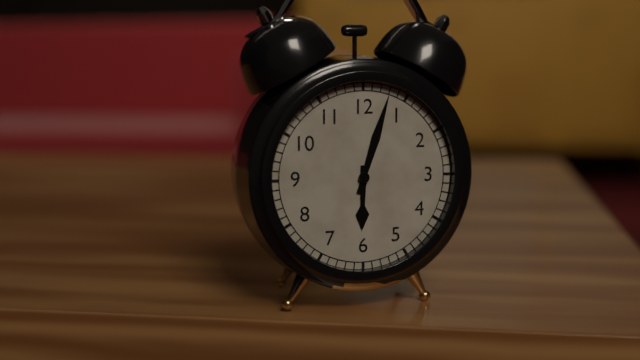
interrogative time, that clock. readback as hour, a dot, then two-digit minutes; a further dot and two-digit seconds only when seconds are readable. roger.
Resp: 6.03
